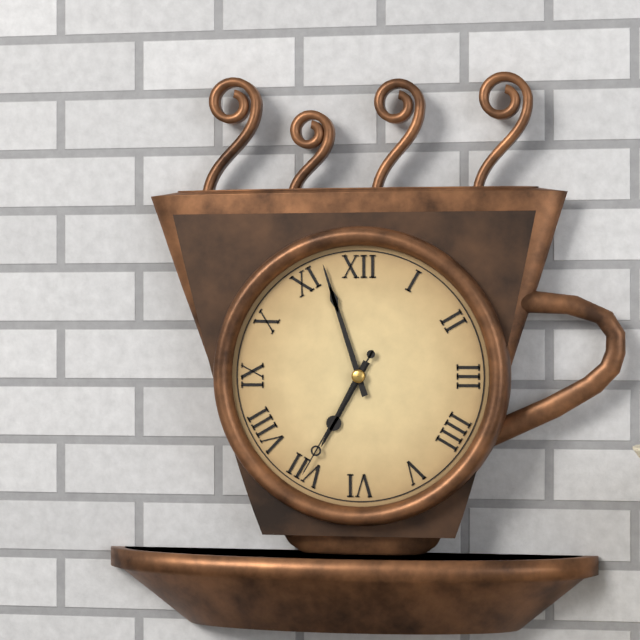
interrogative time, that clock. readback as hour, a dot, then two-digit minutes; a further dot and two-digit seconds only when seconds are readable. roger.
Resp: 6.57.35
